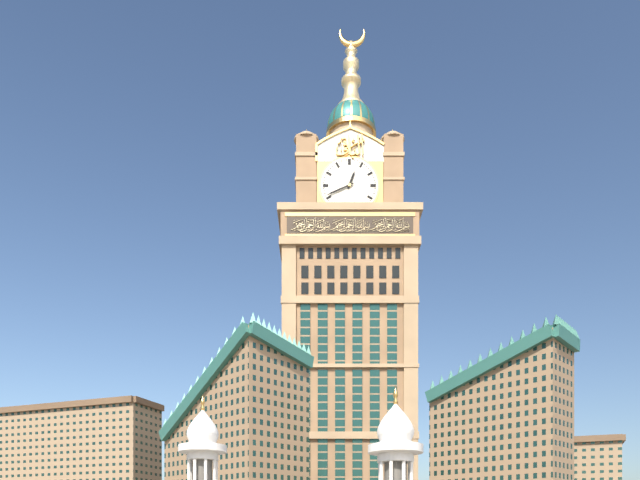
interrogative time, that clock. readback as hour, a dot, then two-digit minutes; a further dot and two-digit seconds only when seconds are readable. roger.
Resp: 12.41
